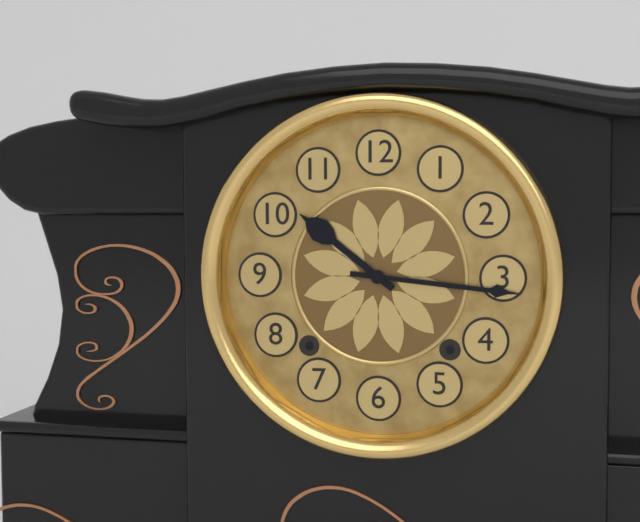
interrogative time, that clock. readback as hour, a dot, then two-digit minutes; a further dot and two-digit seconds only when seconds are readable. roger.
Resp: 10.16
